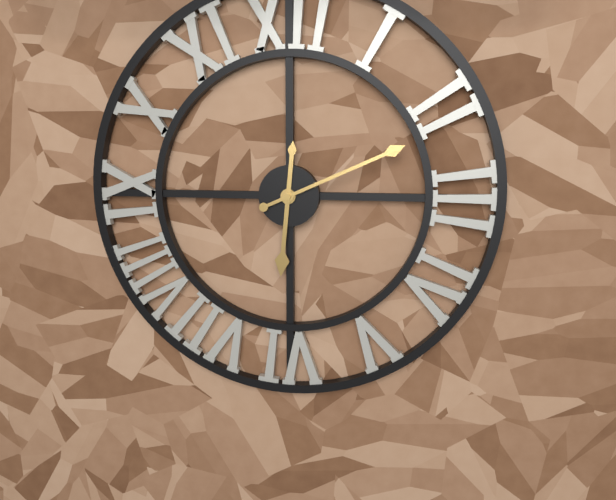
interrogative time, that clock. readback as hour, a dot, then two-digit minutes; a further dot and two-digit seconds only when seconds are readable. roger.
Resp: 6.11
